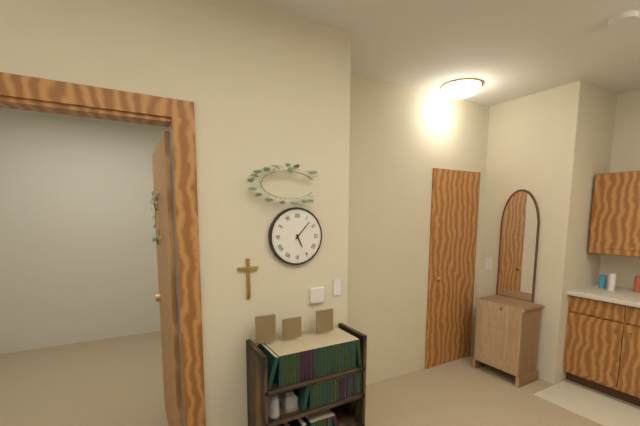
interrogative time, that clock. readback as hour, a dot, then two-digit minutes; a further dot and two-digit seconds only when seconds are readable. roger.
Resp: 5.07
